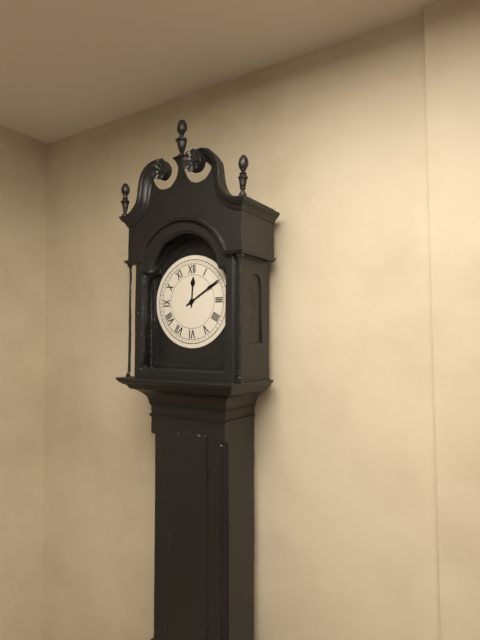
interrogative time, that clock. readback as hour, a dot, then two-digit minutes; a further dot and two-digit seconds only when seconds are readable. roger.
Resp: 12.10
